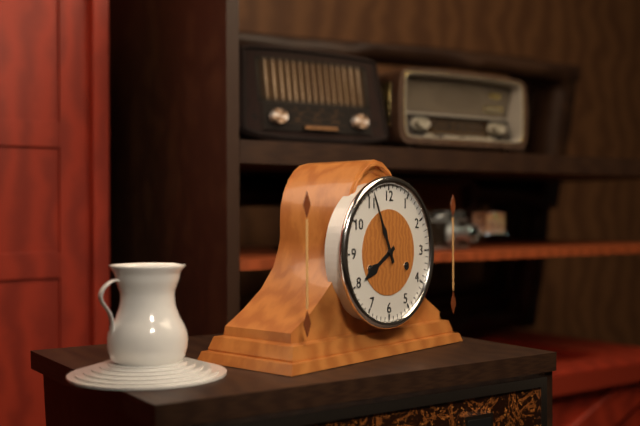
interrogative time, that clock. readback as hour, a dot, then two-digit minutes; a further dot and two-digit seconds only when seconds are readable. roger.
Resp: 7.56
